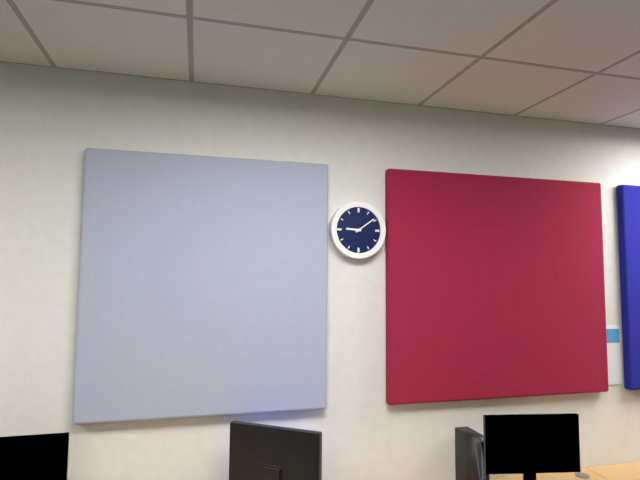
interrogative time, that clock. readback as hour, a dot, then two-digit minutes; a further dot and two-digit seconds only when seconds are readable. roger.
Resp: 9.09
